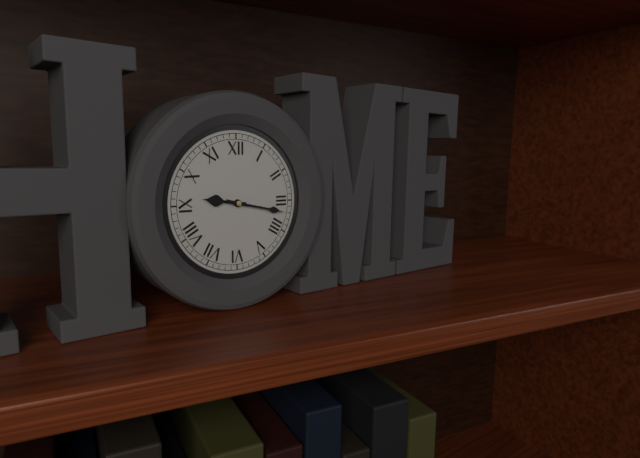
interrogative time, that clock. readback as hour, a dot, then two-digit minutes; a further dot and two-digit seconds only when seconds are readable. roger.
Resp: 9.17
